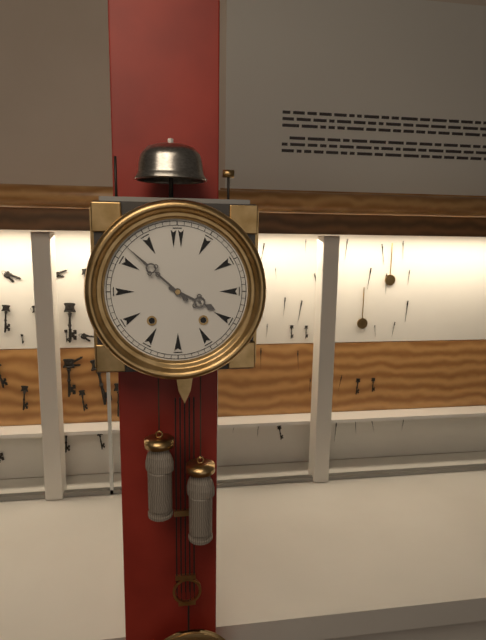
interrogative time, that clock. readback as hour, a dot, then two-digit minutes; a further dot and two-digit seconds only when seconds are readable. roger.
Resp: 3.52
